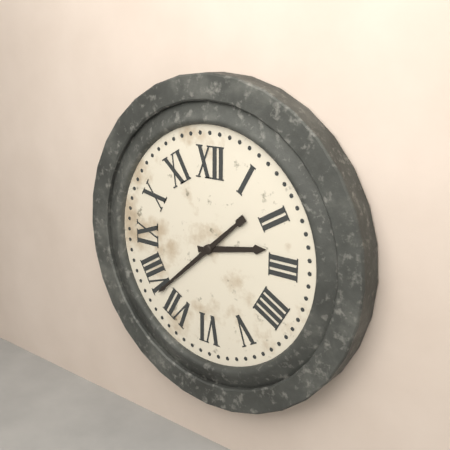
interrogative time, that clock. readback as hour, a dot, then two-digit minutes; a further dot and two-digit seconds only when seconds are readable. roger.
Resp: 2.38
